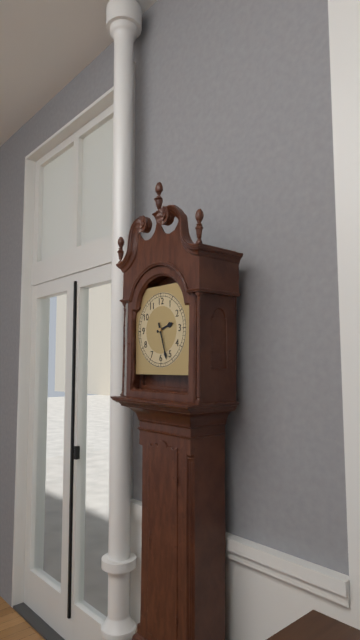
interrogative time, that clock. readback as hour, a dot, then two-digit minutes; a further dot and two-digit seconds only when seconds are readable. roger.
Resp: 2.27
